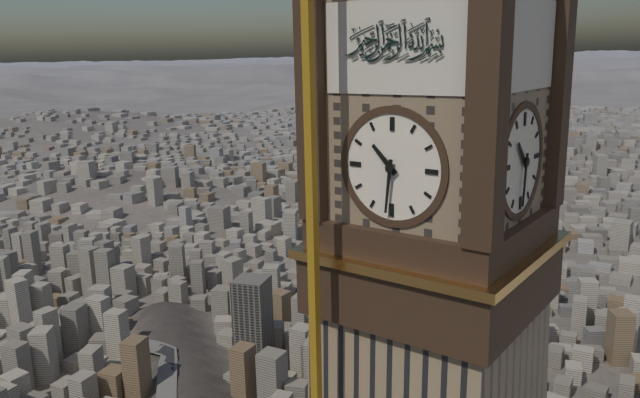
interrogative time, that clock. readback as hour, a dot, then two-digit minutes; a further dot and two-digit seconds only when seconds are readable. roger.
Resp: 10.31
